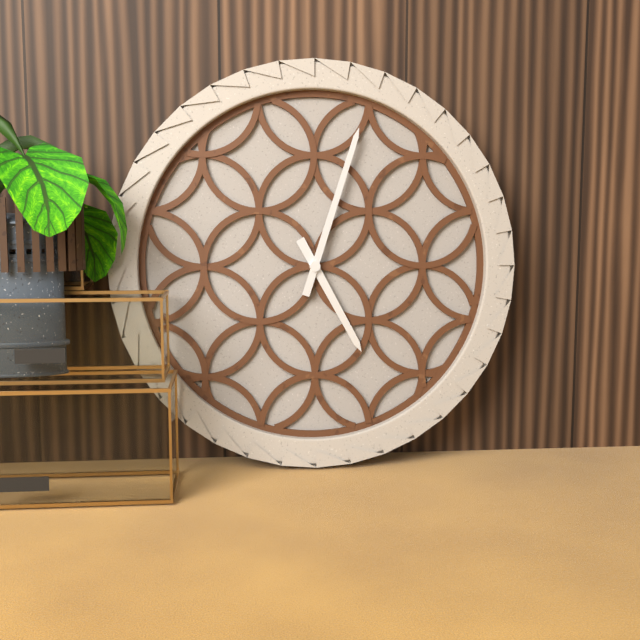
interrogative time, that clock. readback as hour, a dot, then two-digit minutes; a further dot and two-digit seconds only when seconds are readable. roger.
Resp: 5.03
